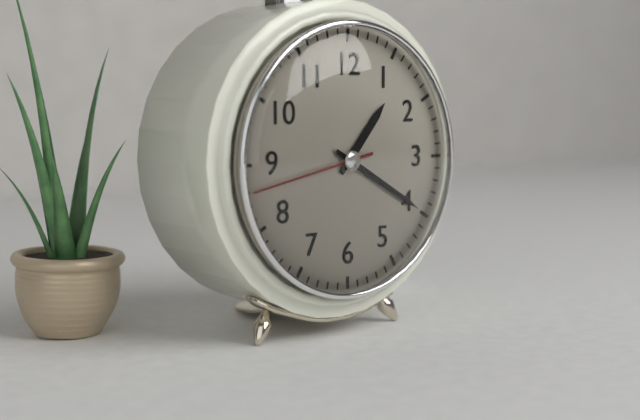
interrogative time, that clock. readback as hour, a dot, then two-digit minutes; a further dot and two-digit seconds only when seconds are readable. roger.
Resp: 1.20.43
